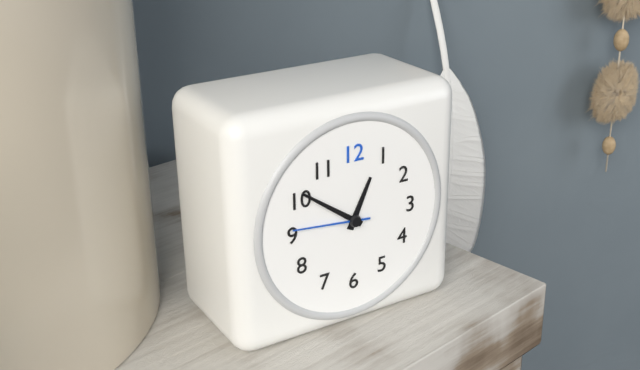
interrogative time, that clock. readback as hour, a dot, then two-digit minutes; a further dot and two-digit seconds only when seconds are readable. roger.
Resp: 12.51.46
